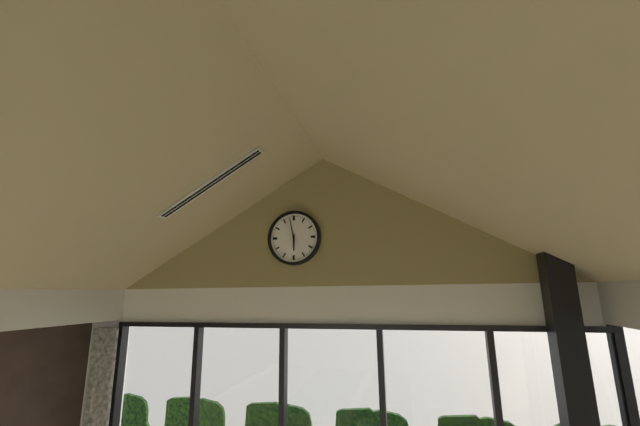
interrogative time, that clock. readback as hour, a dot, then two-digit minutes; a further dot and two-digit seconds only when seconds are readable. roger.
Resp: 5.58
